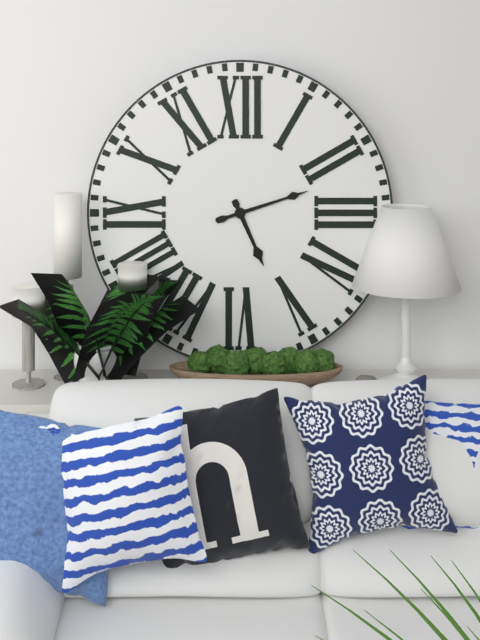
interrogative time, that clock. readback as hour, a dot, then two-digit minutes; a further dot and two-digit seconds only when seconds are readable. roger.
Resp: 5.12
